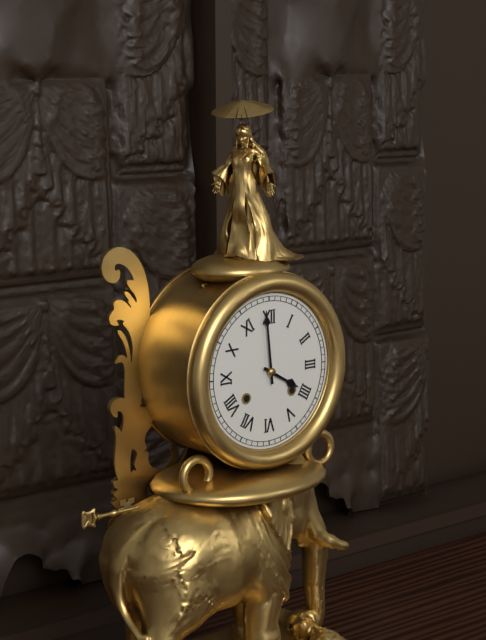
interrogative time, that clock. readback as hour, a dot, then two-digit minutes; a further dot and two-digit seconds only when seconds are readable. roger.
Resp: 3.59
